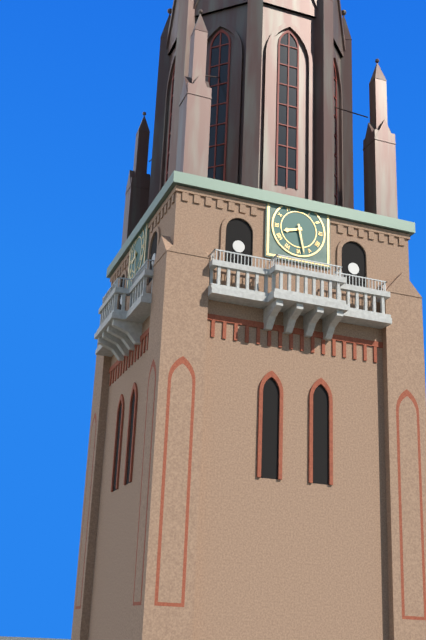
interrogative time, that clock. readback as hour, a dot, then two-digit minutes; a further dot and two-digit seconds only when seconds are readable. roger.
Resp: 8.28
